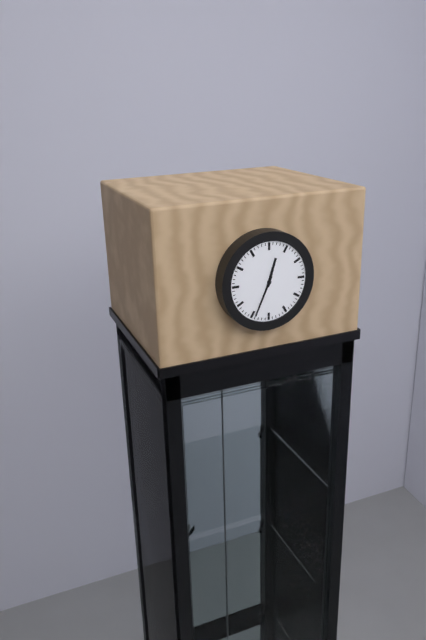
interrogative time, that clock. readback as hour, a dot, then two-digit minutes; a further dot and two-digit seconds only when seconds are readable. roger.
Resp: 12.34
